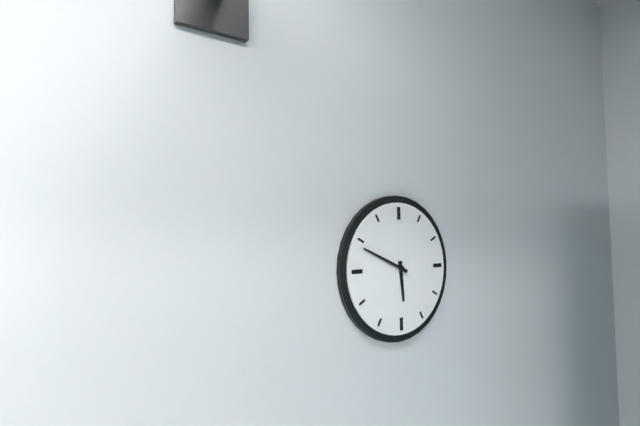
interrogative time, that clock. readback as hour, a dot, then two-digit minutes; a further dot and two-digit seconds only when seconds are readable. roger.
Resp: 5.49
